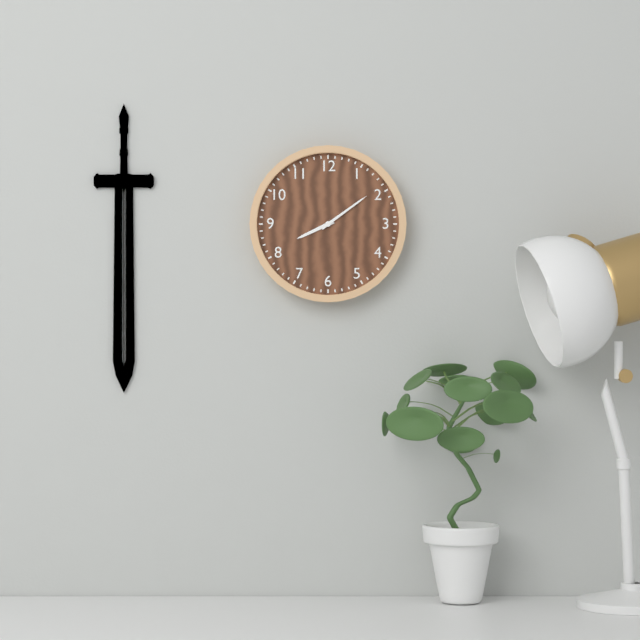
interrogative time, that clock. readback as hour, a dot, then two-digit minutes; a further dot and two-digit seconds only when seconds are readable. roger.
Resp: 8.09
